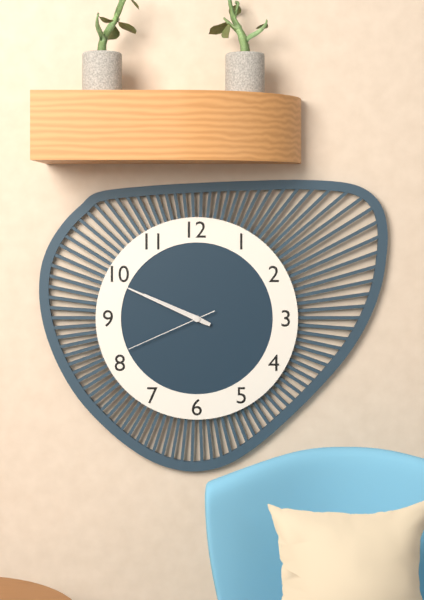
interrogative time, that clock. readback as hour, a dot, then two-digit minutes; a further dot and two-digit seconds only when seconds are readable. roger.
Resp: 9.49.41
